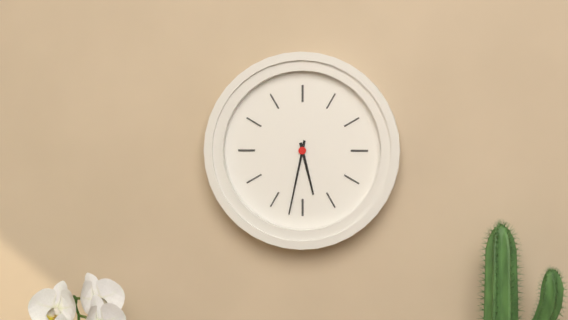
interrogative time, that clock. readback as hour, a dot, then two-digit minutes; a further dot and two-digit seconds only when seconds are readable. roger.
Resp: 5.32
